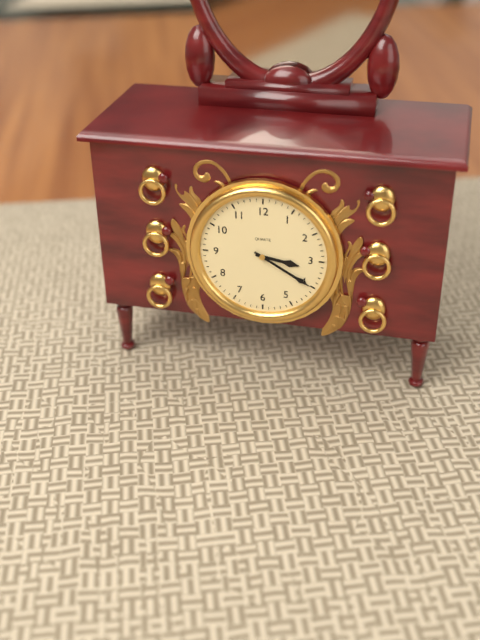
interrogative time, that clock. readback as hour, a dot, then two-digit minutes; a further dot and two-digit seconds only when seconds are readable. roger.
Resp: 3.20
